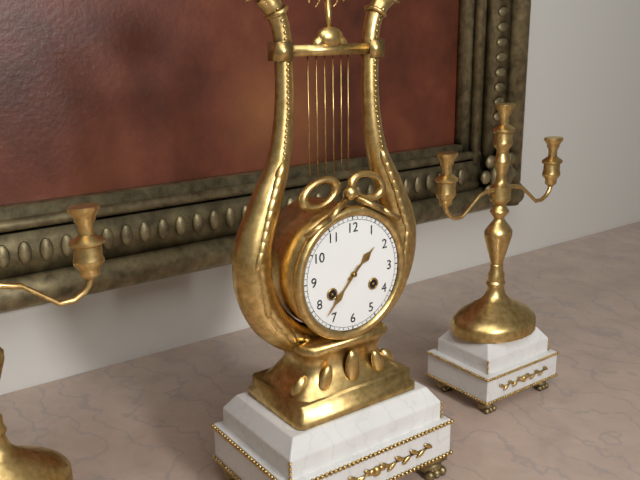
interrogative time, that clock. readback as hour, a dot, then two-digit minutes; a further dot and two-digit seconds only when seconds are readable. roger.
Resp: 1.37
